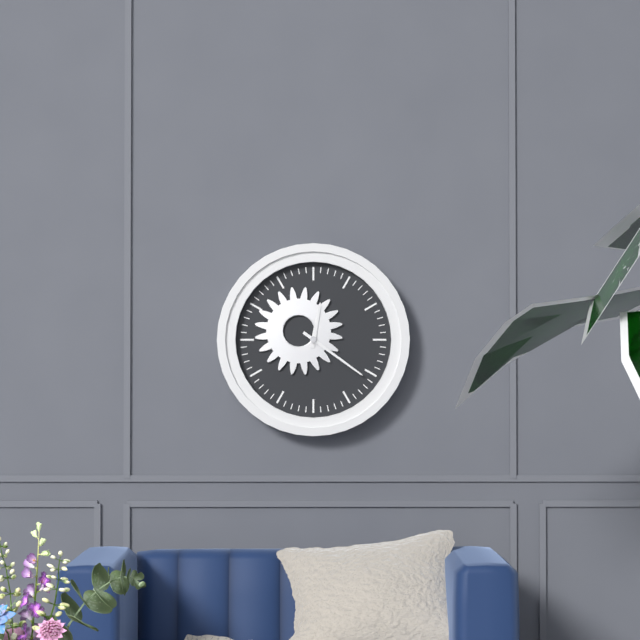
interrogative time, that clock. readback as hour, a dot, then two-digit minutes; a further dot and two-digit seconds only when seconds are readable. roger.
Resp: 12.21
